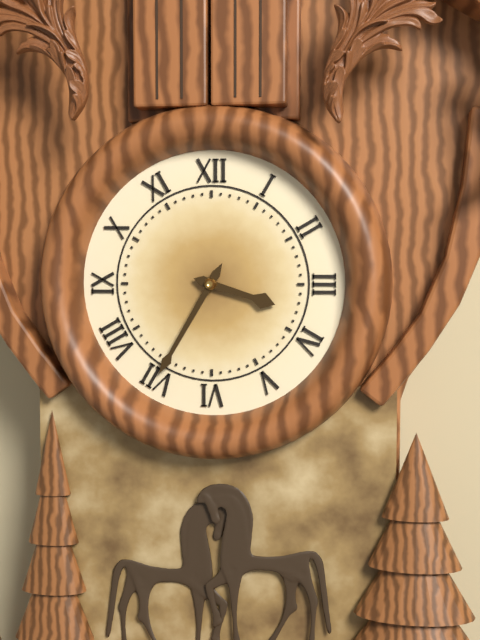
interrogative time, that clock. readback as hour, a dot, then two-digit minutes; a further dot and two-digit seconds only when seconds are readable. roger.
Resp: 3.35
